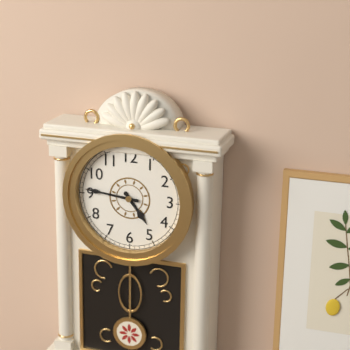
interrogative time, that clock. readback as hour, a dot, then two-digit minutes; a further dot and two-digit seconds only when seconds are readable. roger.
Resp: 4.46
